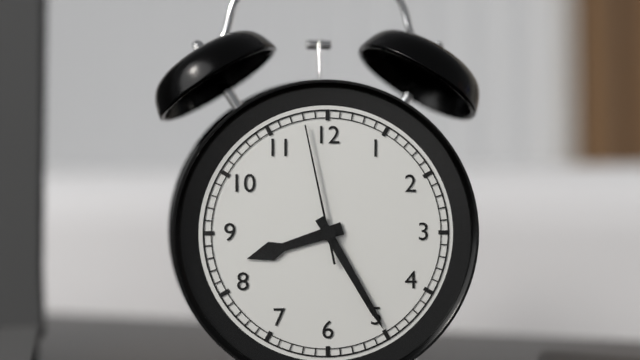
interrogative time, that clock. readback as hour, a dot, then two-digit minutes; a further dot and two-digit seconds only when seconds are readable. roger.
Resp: 8.25.58
